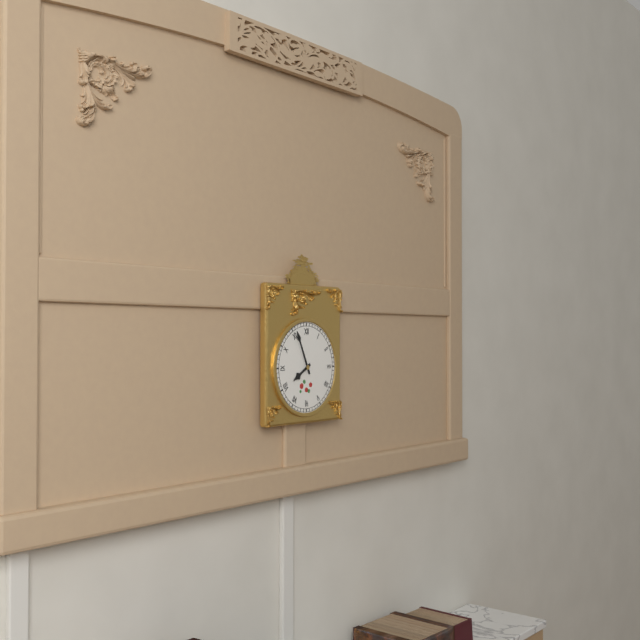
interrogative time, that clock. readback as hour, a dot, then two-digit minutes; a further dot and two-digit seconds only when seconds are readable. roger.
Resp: 7.56
